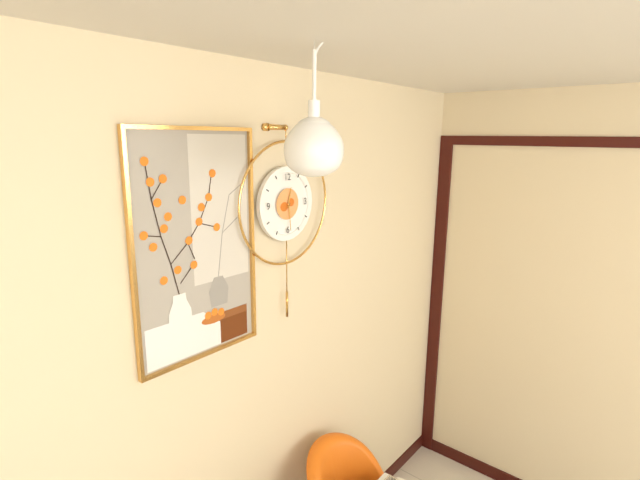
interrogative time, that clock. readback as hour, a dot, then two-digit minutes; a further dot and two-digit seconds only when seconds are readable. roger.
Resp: 12.29
